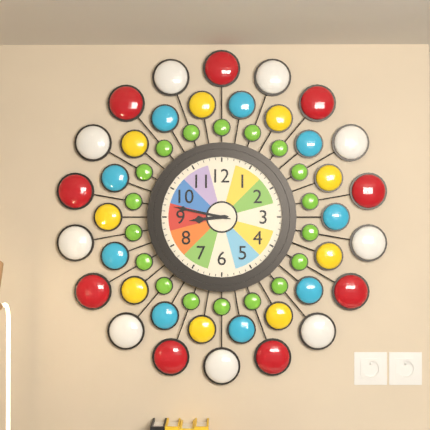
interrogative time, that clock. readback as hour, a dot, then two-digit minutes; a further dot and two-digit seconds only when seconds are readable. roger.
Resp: 8.47
